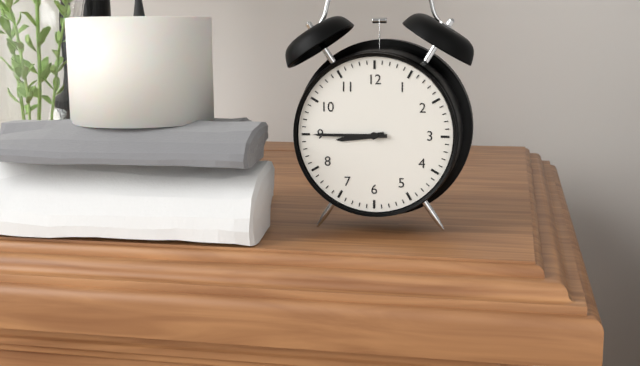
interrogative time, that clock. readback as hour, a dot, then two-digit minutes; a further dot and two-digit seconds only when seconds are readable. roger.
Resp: 8.45
